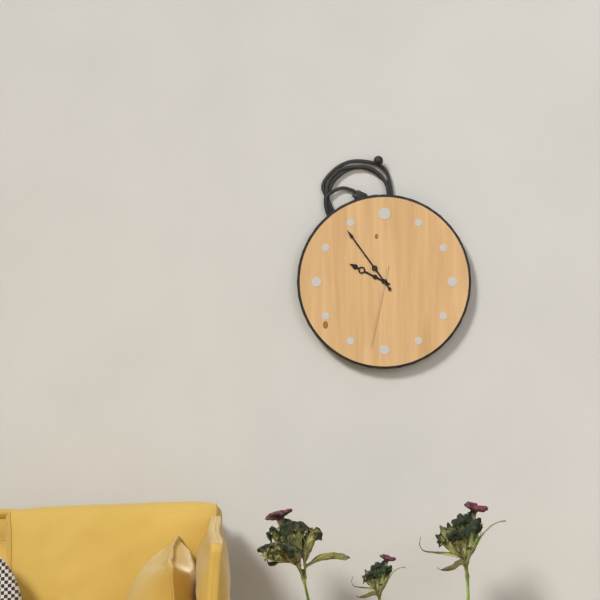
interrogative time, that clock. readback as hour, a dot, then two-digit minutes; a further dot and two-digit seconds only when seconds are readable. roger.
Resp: 9.54.32
